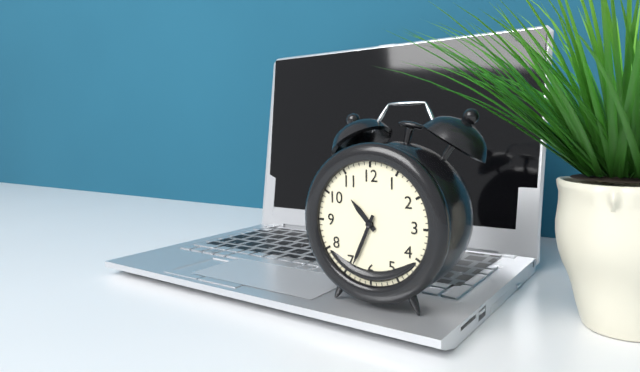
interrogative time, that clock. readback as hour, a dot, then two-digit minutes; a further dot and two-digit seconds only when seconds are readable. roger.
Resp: 10.34
